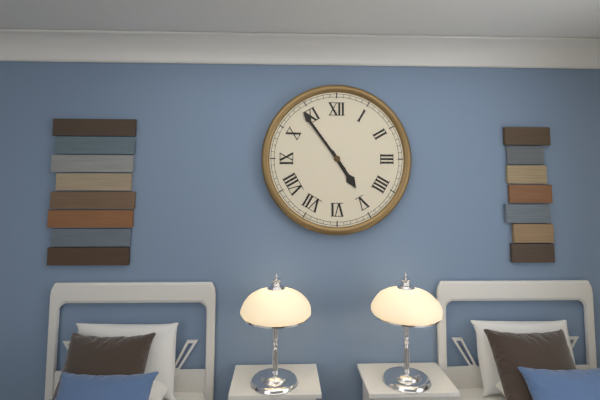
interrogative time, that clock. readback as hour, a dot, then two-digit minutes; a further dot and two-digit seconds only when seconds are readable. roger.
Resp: 4.54
